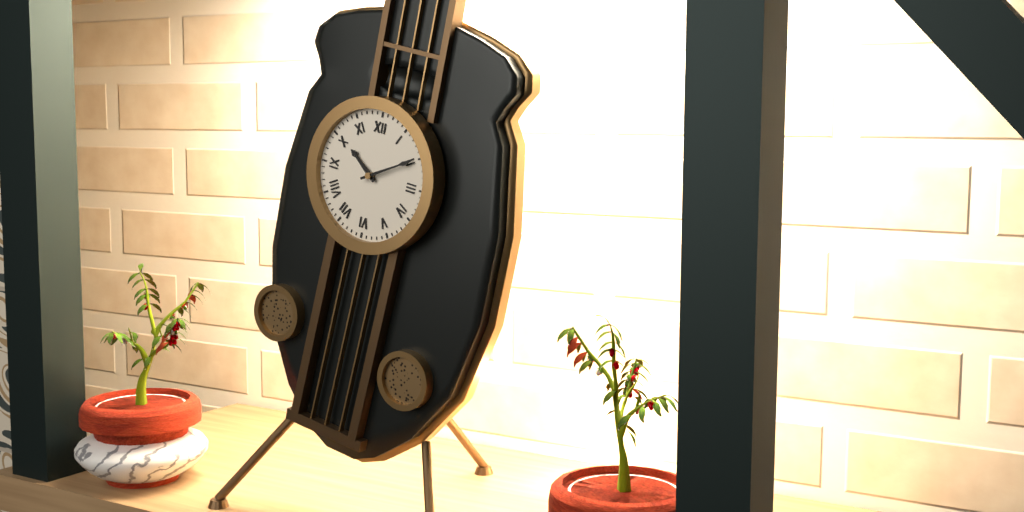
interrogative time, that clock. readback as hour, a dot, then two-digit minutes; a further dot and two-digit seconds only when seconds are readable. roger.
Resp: 10.10
